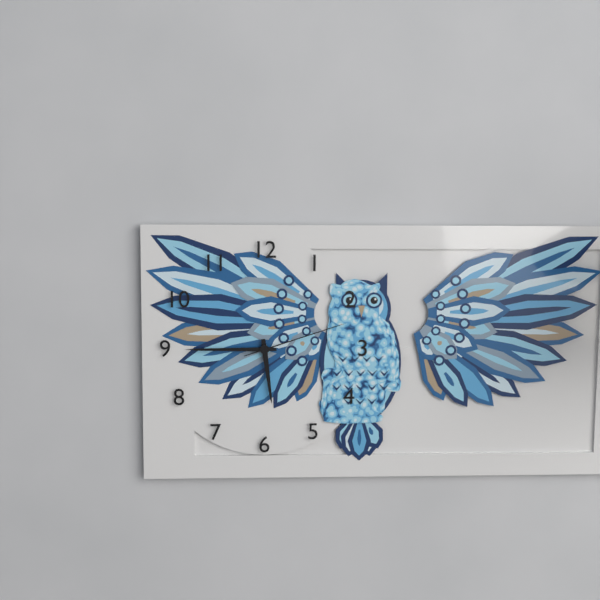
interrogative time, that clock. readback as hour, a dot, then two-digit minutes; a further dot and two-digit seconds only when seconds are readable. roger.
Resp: 5.45.12
